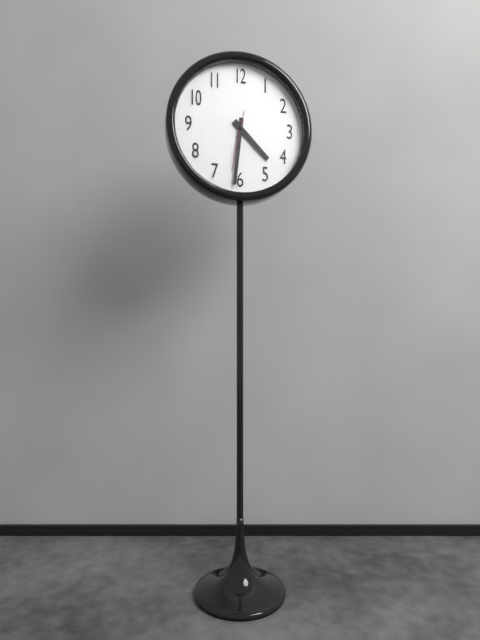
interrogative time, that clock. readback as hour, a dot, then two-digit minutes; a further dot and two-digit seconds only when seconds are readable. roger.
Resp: 4.31.32
